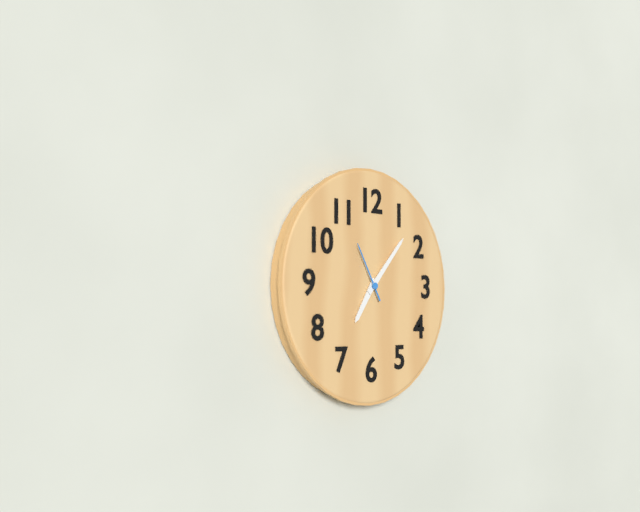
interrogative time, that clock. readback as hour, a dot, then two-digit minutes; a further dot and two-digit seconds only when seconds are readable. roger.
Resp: 7.07.55
